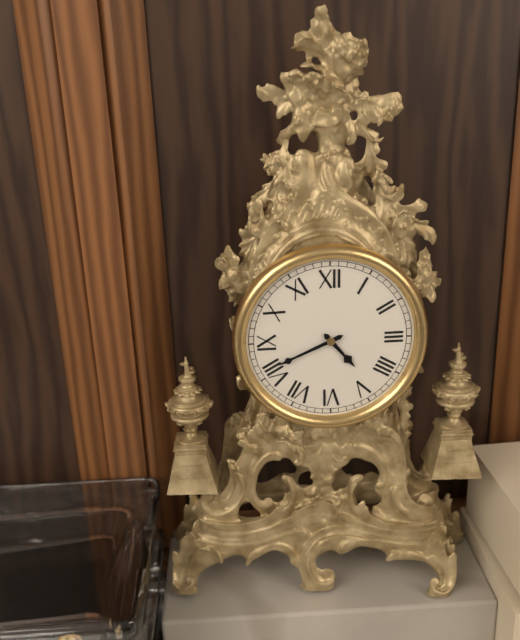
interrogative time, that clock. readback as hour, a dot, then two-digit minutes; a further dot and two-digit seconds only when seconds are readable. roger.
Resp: 4.41
